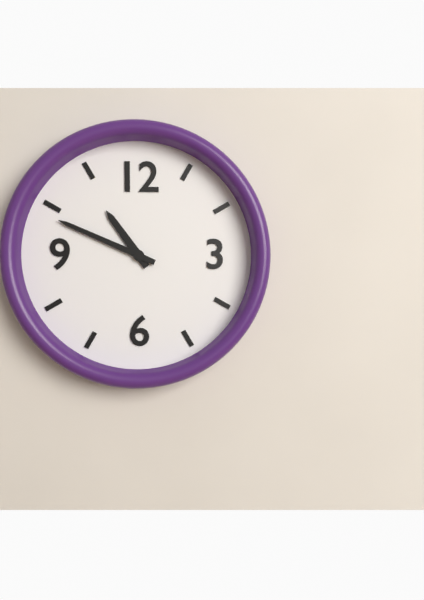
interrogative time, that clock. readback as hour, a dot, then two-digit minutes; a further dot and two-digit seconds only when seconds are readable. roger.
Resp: 10.49
